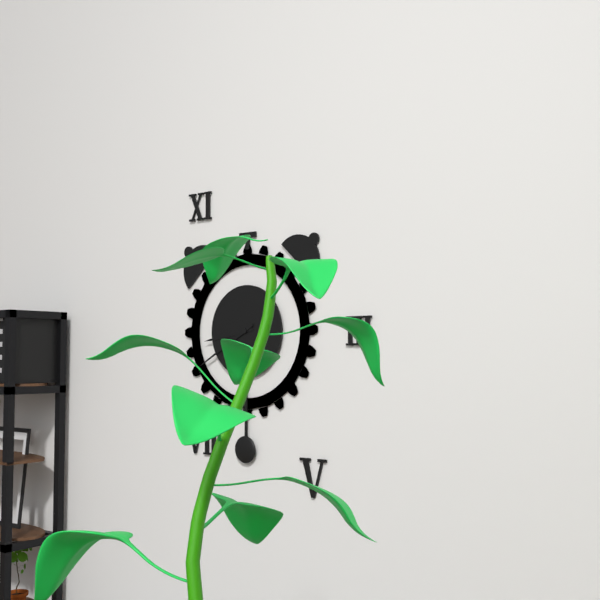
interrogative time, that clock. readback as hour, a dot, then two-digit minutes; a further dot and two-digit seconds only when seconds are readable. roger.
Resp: 8.40
